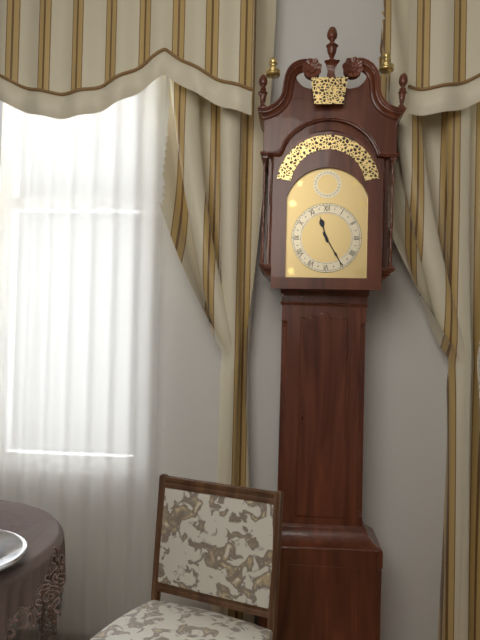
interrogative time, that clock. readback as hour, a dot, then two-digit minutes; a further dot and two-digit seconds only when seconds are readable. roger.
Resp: 11.25
